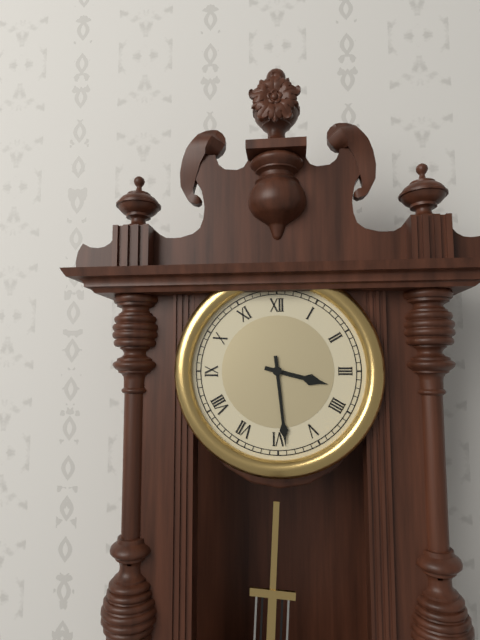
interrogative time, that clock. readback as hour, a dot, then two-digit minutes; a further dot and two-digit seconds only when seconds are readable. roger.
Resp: 3.29
